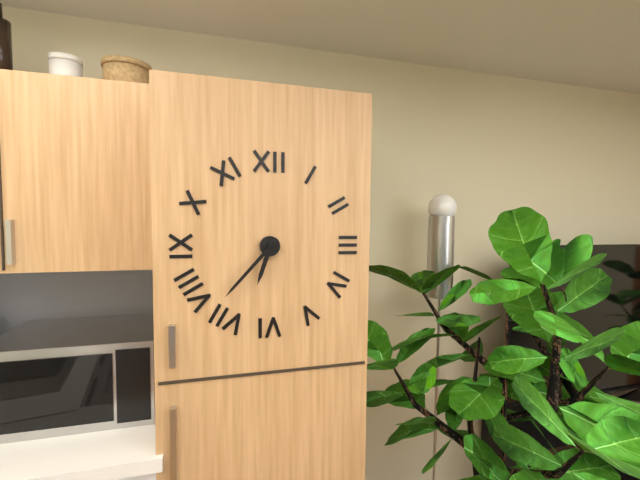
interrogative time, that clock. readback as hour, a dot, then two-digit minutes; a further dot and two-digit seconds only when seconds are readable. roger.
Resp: 6.37
